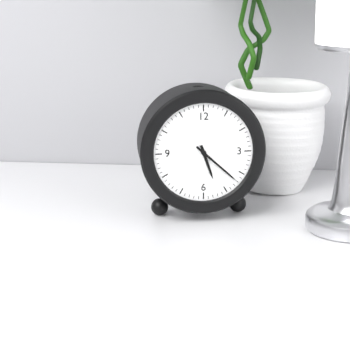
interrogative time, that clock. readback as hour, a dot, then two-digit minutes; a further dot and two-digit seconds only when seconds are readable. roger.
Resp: 5.22
